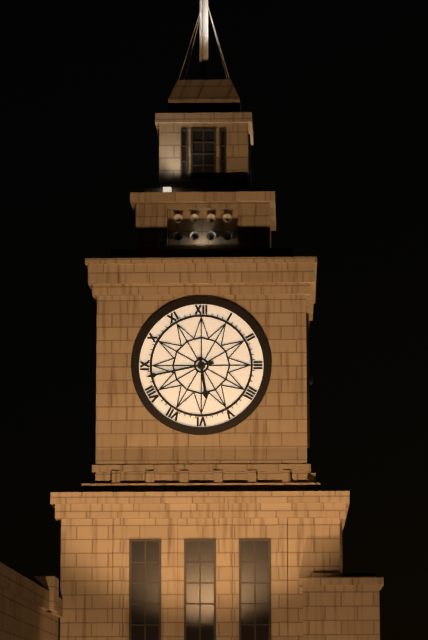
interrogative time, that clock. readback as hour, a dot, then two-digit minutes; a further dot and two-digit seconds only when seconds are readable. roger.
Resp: 5.43
